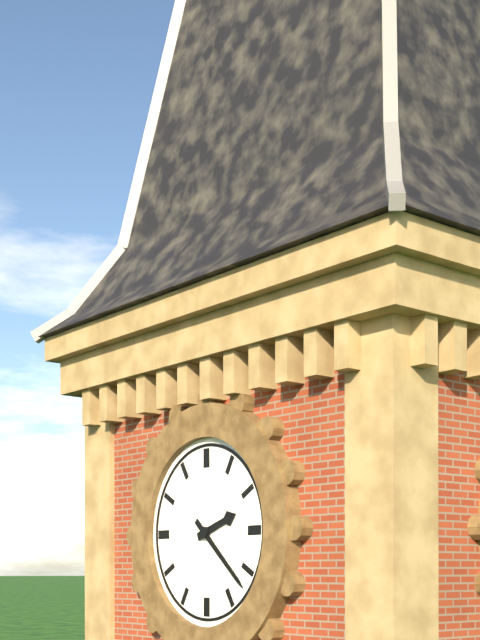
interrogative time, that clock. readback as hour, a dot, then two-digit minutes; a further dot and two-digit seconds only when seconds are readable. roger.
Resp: 2.22
